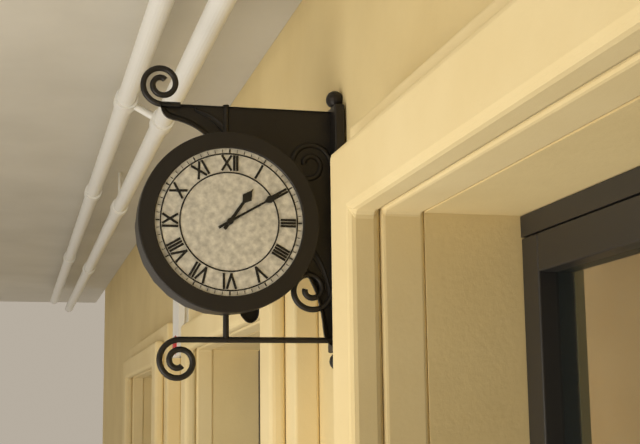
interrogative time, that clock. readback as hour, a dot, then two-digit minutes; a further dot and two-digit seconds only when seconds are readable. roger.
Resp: 1.10
